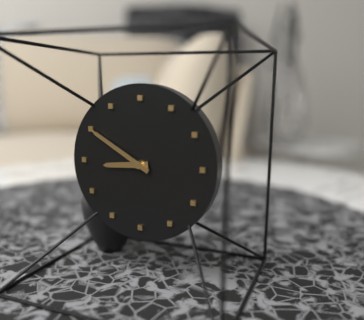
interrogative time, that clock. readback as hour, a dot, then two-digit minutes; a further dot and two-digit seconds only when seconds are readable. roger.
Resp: 8.50
